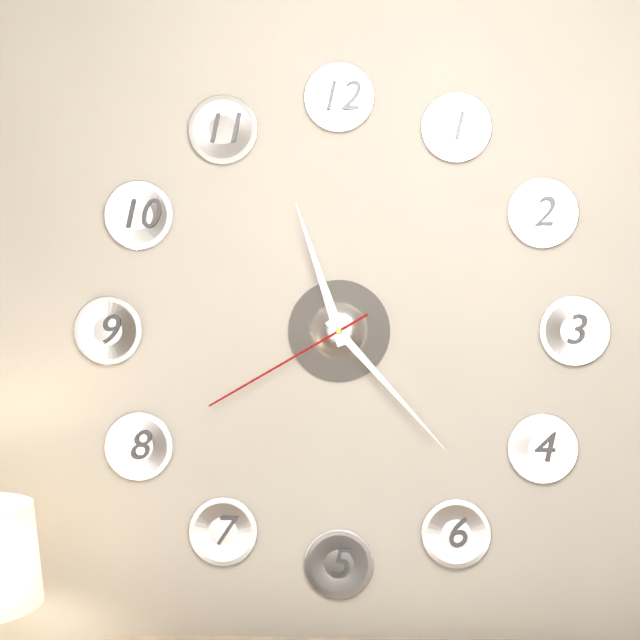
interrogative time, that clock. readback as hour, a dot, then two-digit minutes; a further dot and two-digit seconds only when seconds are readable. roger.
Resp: 11.23.40
